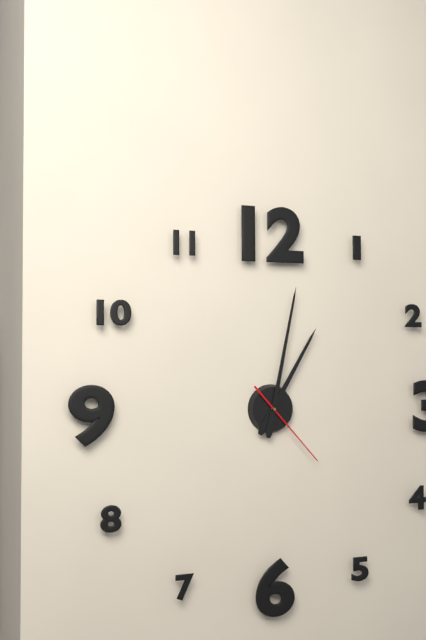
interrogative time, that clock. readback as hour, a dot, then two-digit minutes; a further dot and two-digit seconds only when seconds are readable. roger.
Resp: 1.02.23
